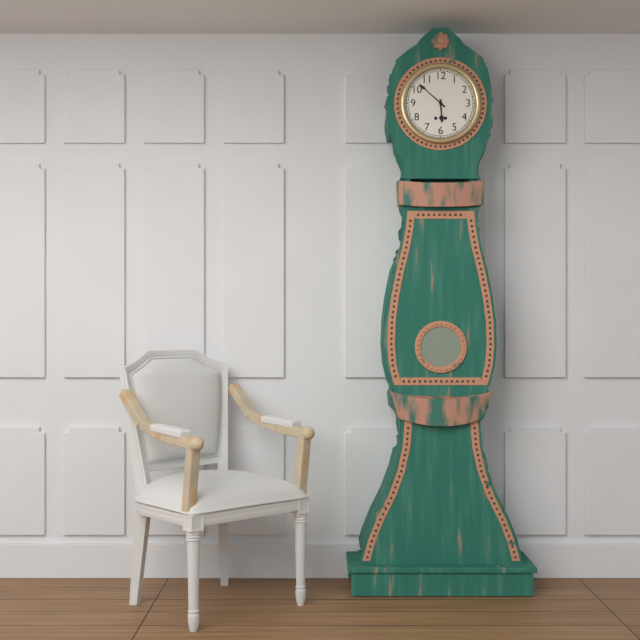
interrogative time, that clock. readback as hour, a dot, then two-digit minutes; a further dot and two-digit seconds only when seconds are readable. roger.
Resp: 5.52
